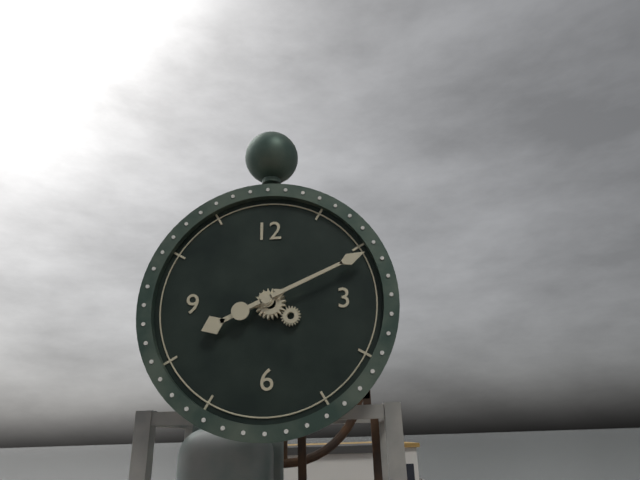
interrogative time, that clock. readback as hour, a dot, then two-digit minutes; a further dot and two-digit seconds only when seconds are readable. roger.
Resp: 8.11
